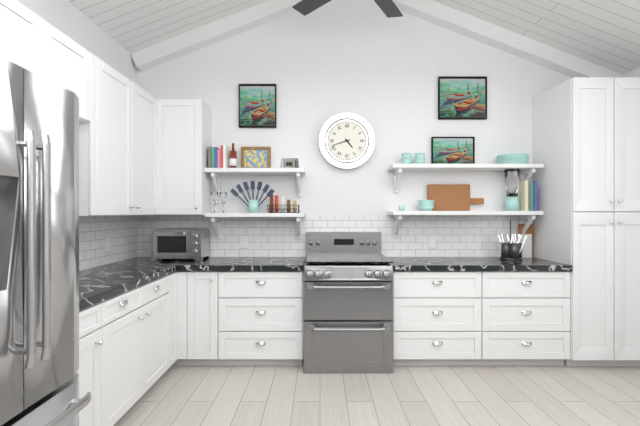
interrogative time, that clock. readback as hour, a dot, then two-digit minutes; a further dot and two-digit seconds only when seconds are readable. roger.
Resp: 4.42
